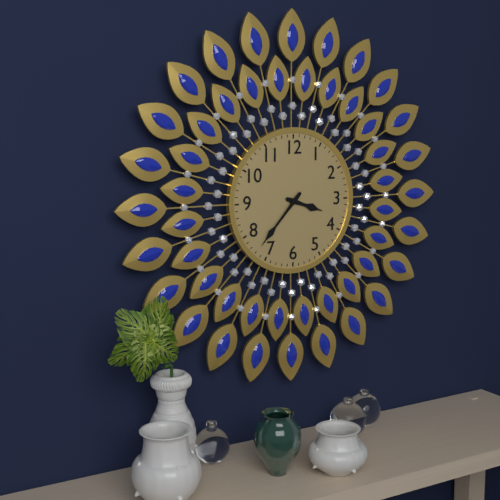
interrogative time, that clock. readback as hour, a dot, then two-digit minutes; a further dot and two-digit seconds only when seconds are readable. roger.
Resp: 3.37
